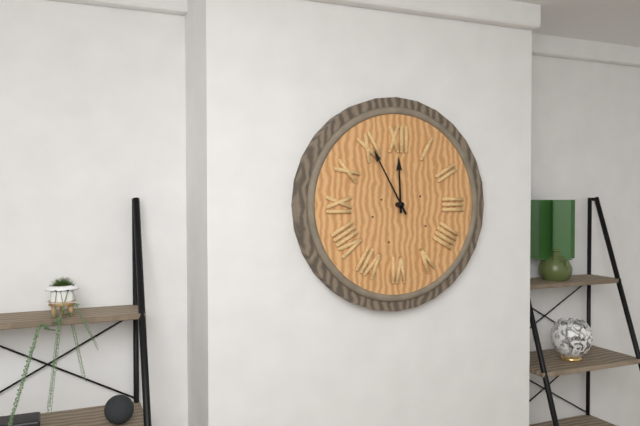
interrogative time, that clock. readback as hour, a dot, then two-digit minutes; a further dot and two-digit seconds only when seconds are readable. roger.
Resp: 11.55
